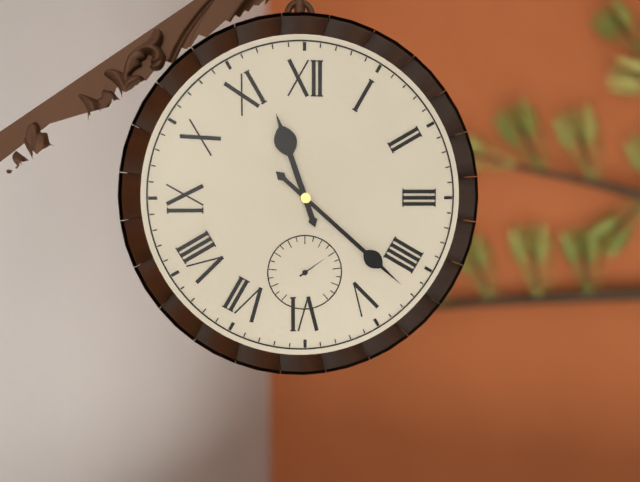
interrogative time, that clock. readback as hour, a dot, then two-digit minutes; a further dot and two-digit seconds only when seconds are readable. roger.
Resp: 11.22
